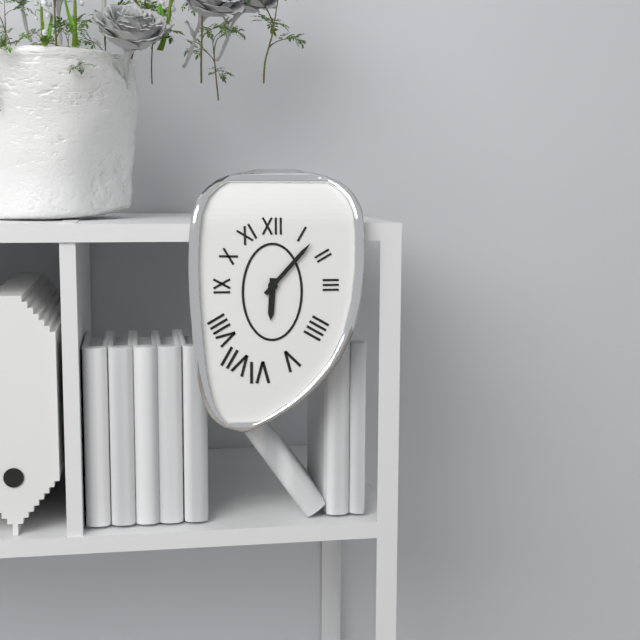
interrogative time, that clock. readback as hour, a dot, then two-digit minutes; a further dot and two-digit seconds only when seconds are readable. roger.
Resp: 6.07
